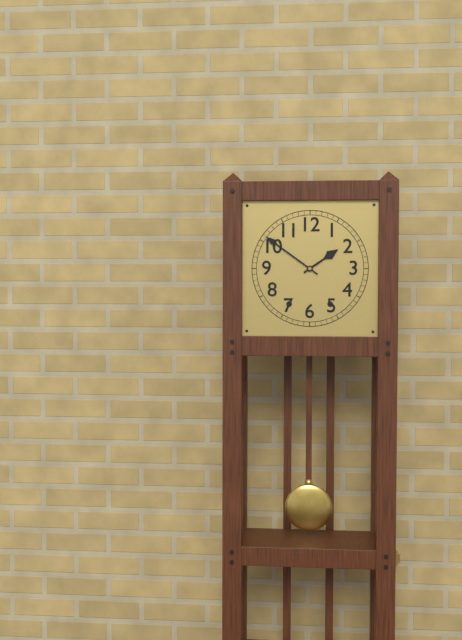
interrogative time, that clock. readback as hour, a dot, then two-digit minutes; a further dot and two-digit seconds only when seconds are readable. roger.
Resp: 1.51
